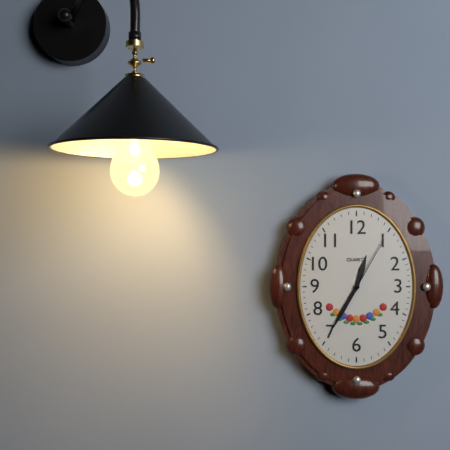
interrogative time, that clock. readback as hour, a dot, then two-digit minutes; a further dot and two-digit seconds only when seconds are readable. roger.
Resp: 12.35.05
